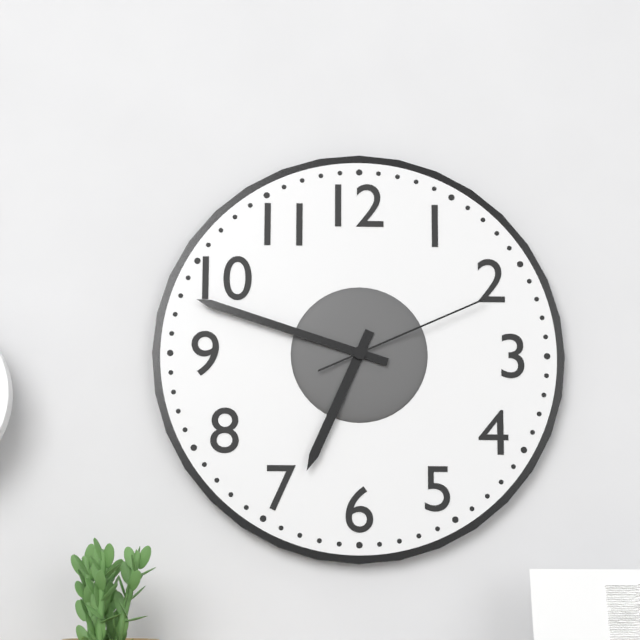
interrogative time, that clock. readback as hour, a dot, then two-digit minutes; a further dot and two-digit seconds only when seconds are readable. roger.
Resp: 6.48.11
